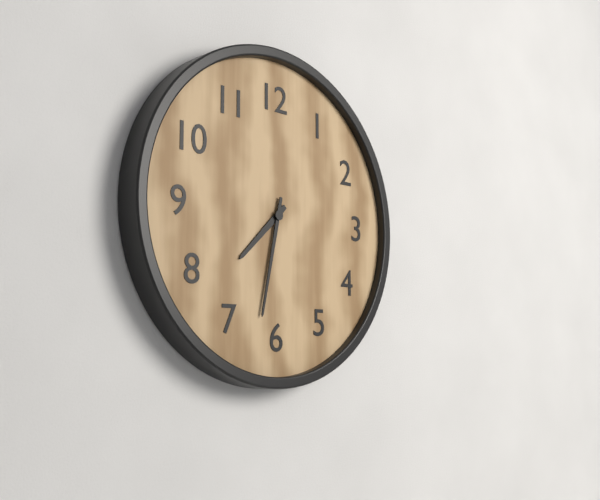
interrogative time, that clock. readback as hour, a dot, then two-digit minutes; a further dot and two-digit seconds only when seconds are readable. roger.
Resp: 7.32
